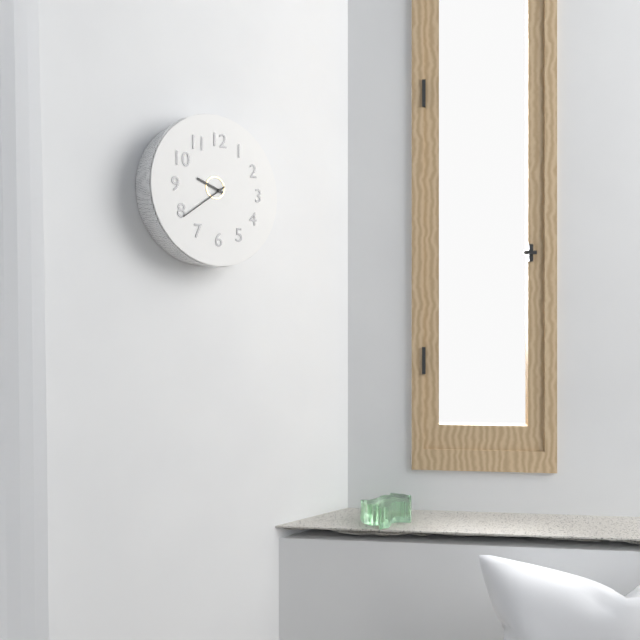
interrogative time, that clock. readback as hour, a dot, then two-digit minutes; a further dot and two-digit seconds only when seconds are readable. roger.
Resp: 9.39
